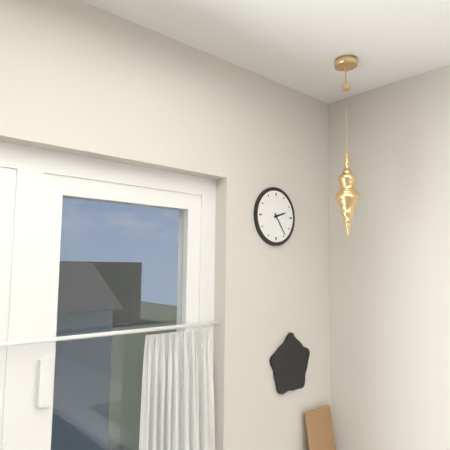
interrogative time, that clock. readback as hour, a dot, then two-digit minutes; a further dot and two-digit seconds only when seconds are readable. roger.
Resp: 2.24
